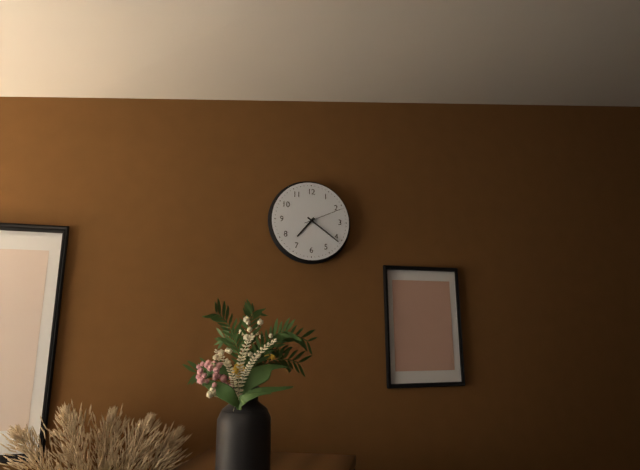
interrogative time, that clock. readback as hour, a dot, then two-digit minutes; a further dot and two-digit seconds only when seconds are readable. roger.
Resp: 7.21
